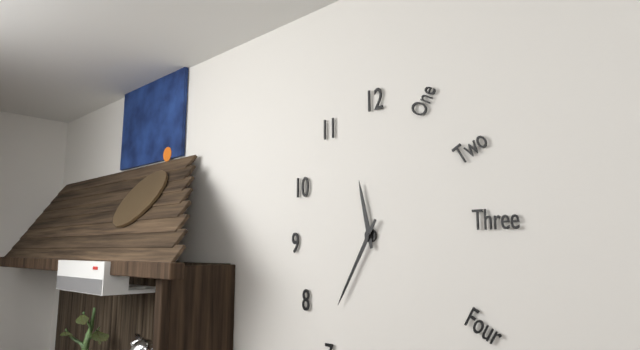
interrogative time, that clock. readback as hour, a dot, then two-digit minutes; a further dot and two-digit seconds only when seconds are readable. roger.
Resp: 11.35
